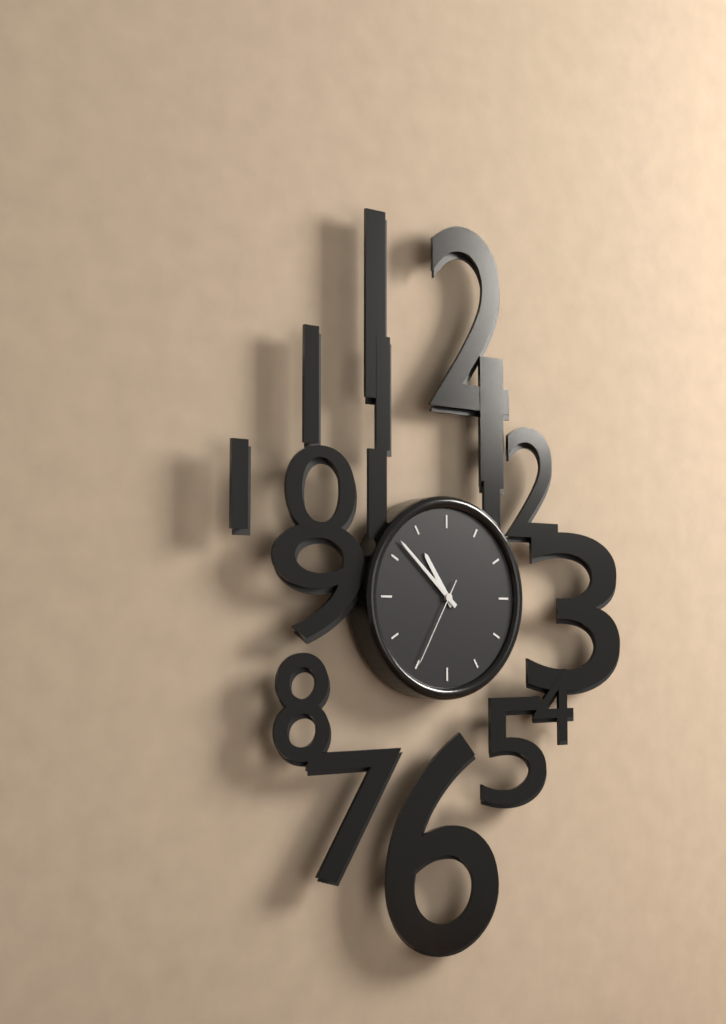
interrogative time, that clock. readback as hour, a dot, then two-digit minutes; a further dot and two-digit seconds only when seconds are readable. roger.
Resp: 10.52.35
